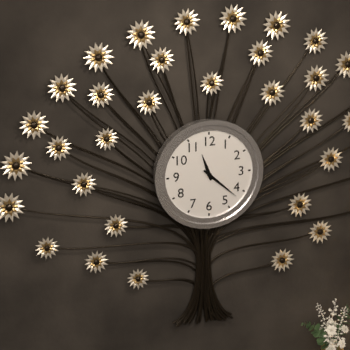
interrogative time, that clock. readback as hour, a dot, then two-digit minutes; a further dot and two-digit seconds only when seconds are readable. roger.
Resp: 11.22
